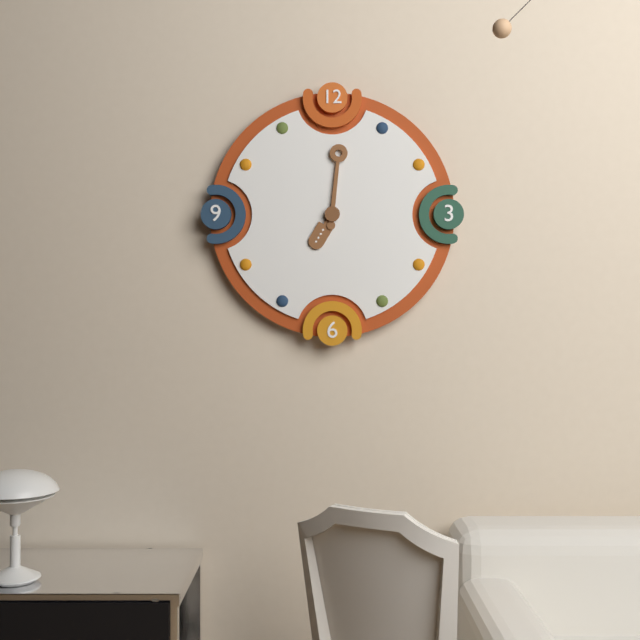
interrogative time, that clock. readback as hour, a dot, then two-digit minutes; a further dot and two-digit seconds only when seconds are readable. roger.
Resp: 7.01
